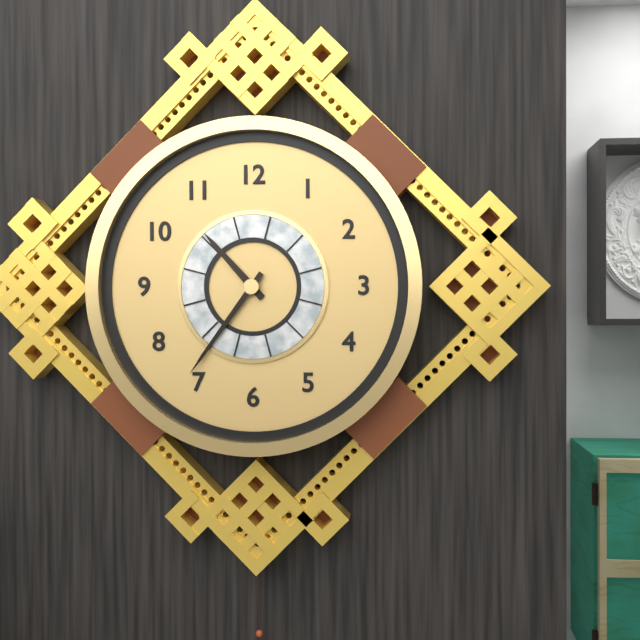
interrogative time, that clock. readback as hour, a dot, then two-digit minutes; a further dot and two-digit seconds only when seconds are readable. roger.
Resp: 10.36
